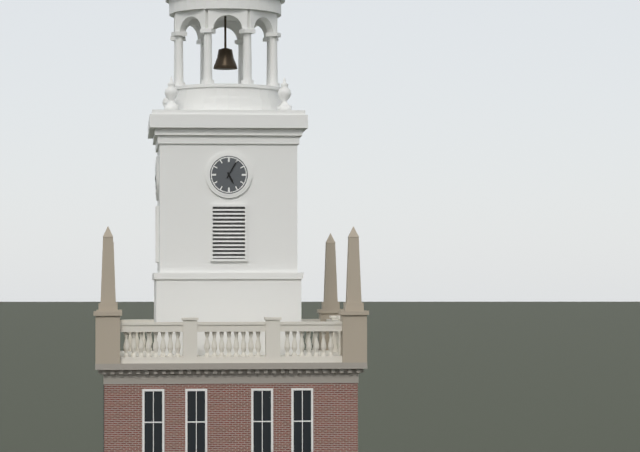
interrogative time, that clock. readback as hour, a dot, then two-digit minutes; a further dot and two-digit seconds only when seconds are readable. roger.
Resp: 5.05
